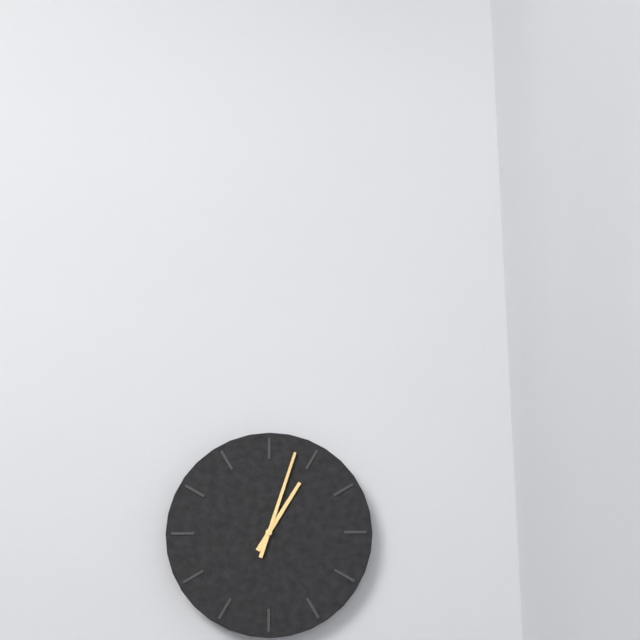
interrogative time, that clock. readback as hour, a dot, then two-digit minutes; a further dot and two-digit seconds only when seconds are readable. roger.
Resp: 1.03
